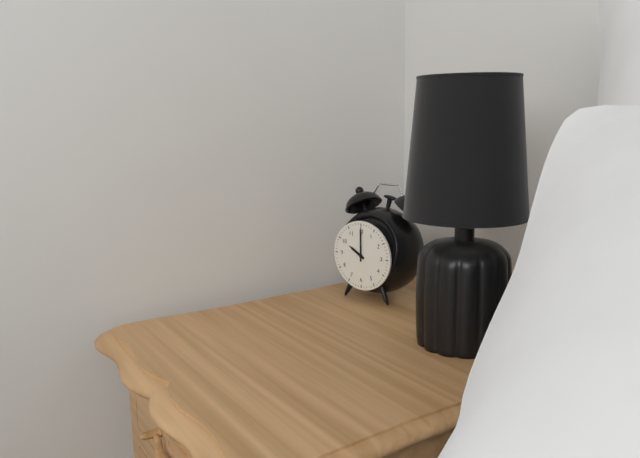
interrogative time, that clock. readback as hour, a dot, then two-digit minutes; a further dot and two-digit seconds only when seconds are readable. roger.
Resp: 10.00
